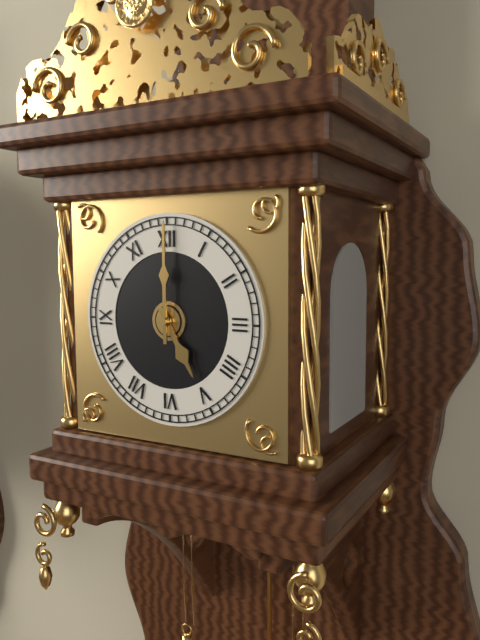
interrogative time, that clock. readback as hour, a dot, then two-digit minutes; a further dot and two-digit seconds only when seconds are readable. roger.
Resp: 5.00
